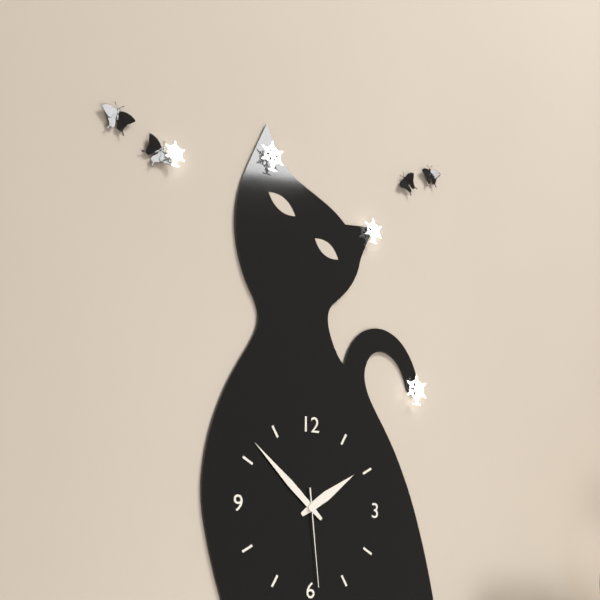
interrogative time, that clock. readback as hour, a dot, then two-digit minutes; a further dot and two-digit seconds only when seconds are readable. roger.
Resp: 1.52.29
